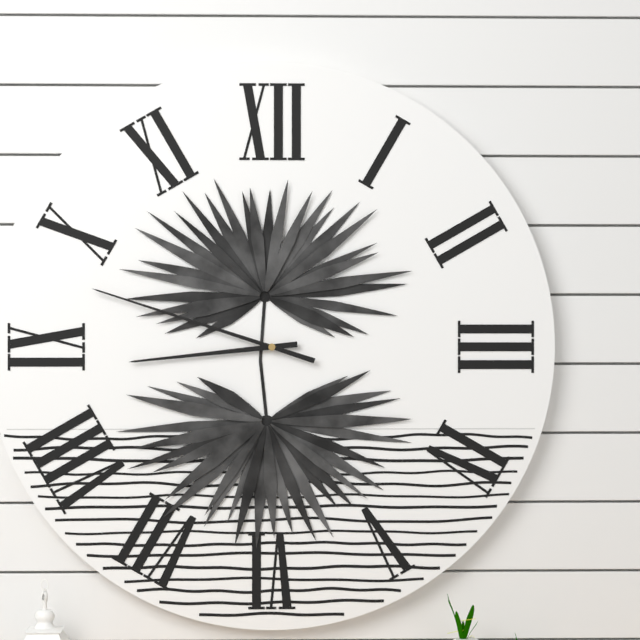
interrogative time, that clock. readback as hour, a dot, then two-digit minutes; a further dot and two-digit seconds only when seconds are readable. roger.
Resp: 8.48
